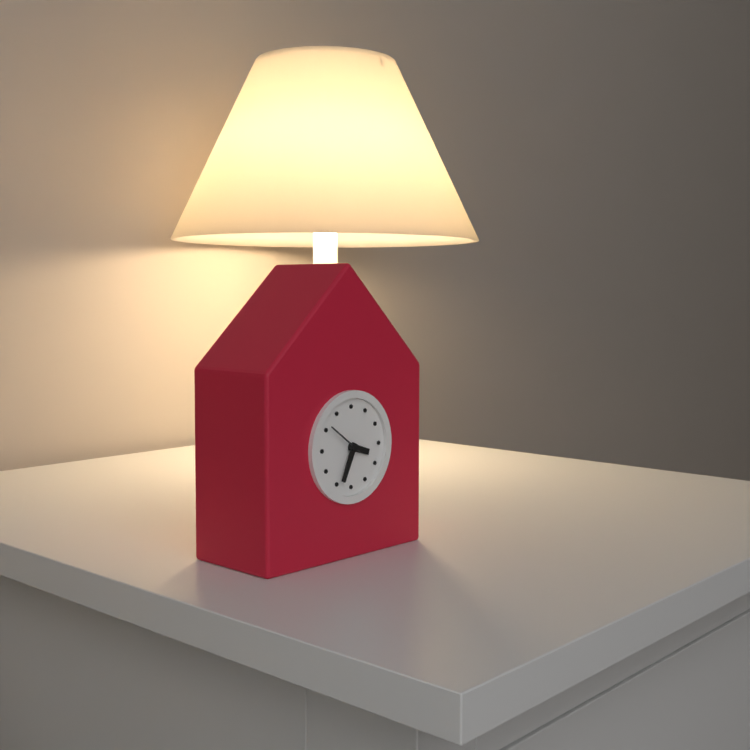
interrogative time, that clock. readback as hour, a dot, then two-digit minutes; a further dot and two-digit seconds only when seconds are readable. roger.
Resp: 3.34
